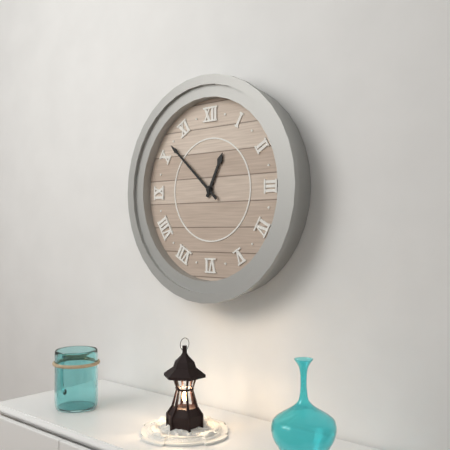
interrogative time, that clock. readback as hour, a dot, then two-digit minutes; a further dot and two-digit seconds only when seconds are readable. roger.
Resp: 12.52
